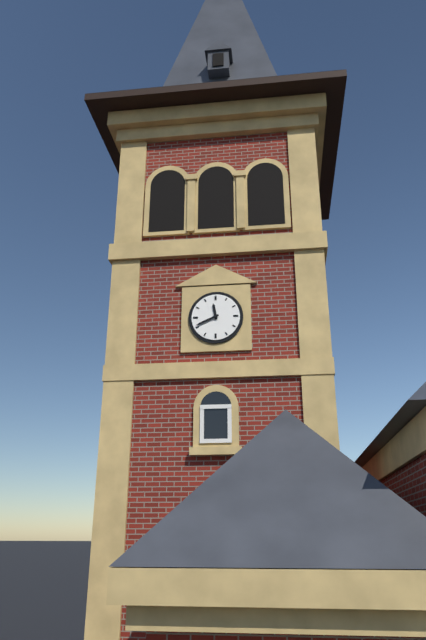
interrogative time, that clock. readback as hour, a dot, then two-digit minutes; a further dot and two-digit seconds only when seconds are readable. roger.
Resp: 11.41
